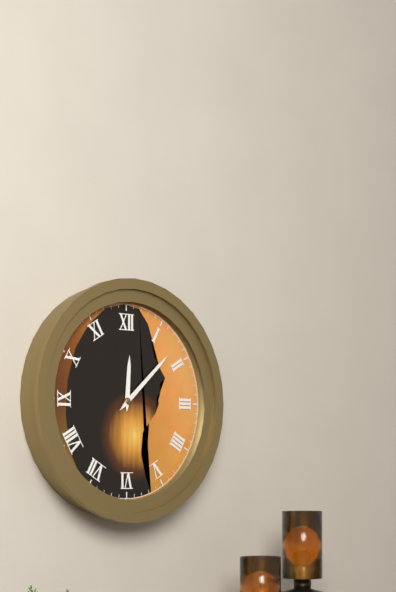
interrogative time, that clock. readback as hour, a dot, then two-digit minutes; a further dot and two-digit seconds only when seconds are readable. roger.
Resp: 12.08
